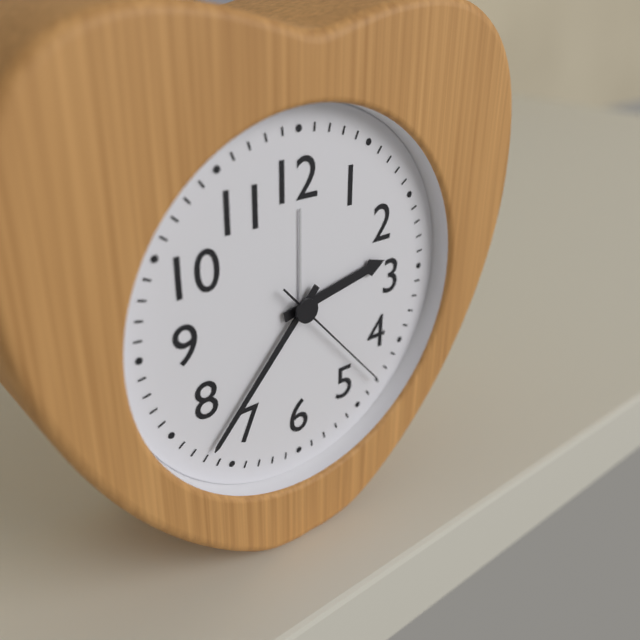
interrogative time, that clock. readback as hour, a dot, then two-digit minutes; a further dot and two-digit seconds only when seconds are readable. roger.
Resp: 2.37.23
